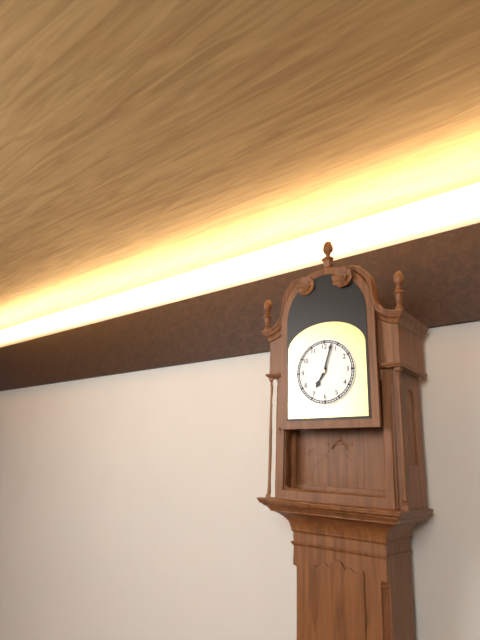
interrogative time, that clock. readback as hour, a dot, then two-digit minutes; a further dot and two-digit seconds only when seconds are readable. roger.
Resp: 7.03
